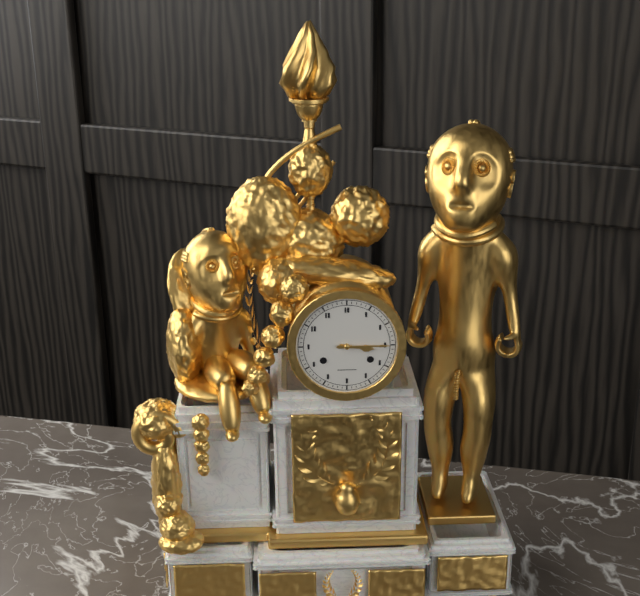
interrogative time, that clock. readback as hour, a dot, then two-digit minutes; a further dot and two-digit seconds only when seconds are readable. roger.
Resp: 3.15
